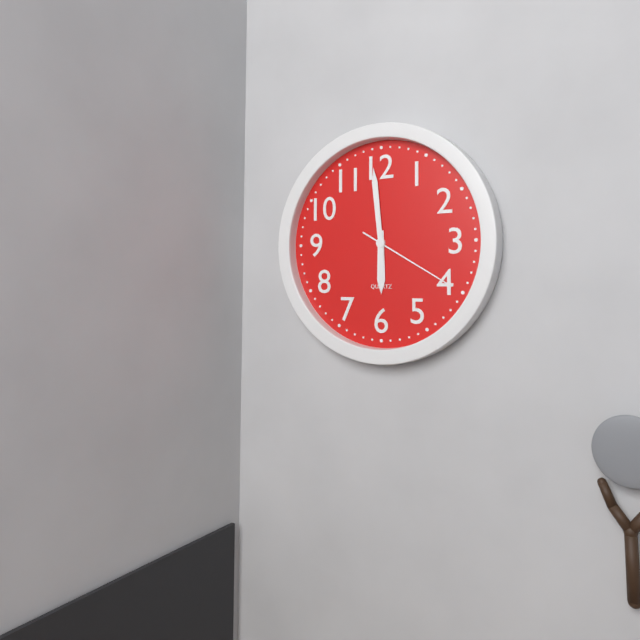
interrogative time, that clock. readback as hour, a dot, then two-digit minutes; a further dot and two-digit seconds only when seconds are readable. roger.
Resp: 5.59.20
